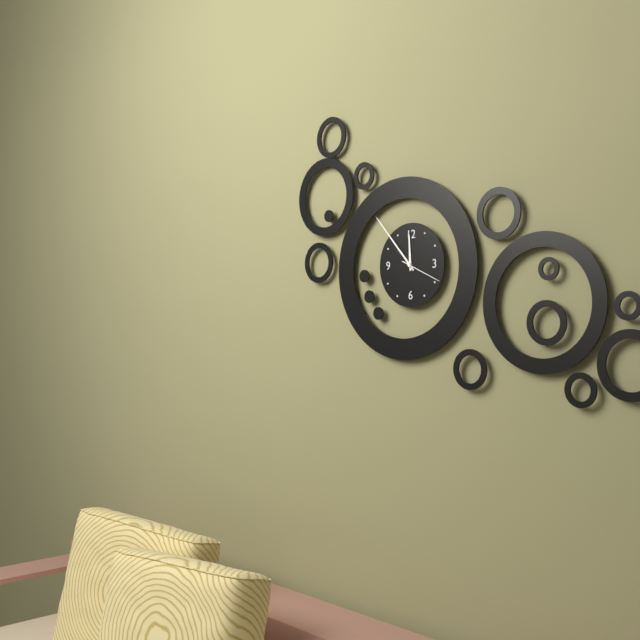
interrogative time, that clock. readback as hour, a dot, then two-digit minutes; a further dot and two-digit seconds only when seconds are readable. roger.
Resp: 11.53
